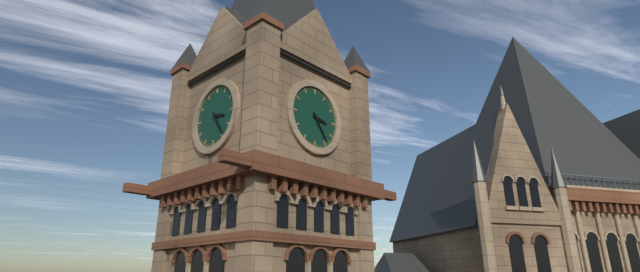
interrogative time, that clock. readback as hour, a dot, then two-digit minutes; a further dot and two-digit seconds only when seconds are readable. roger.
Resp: 3.24
